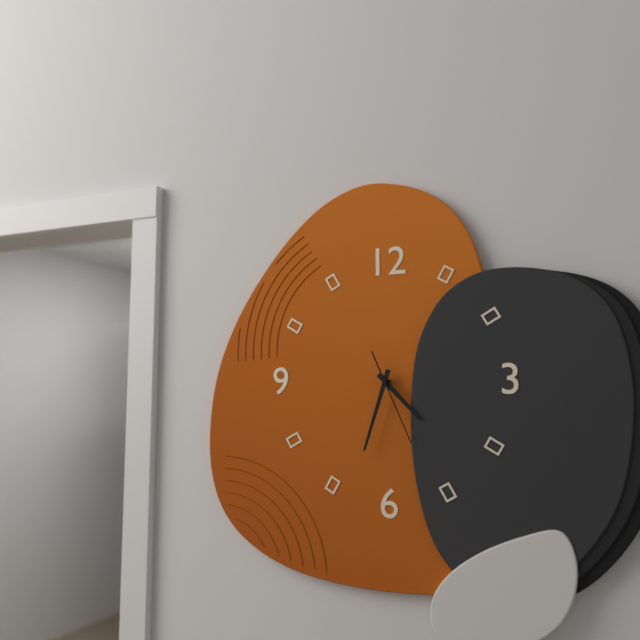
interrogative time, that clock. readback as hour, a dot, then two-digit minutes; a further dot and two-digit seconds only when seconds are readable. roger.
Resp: 4.33.26
